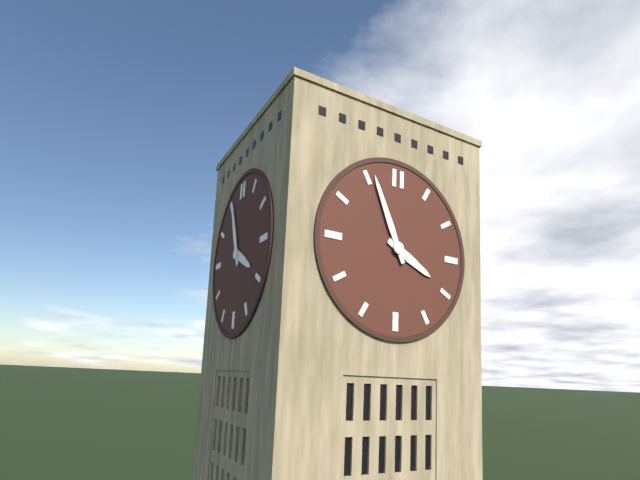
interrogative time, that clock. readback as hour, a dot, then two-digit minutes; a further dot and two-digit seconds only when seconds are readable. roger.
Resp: 3.56
